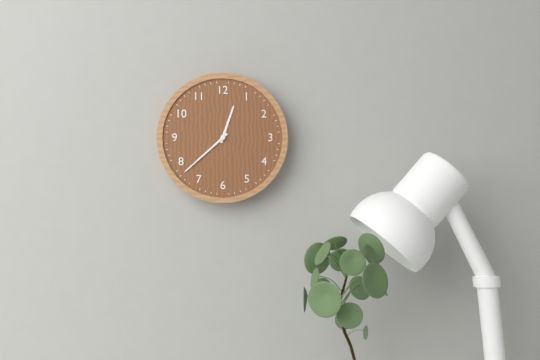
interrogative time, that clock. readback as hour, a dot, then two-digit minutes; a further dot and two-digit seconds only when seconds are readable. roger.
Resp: 12.38
